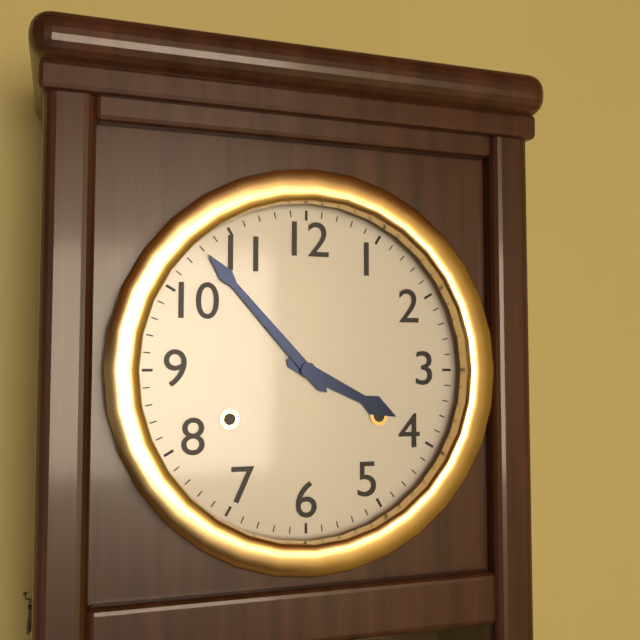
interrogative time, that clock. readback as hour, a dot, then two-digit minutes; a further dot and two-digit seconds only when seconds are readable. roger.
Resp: 3.53
